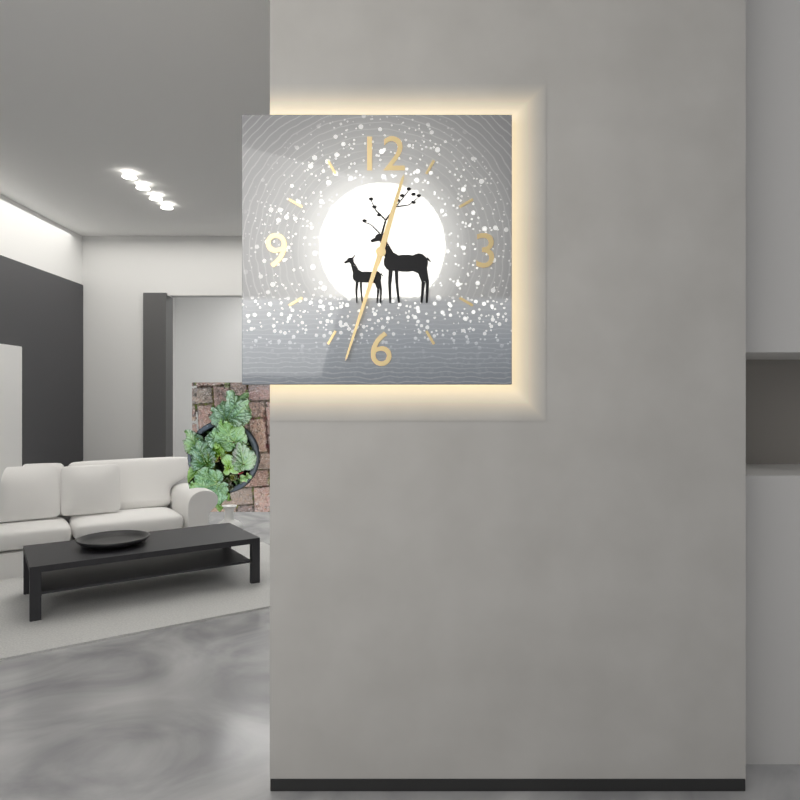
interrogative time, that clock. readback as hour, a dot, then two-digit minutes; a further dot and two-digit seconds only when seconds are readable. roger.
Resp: 12.33
